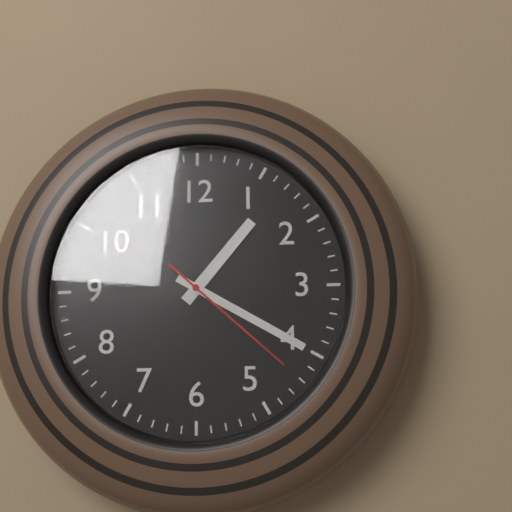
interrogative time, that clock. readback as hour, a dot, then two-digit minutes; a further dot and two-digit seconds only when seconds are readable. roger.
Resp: 1.20.22
